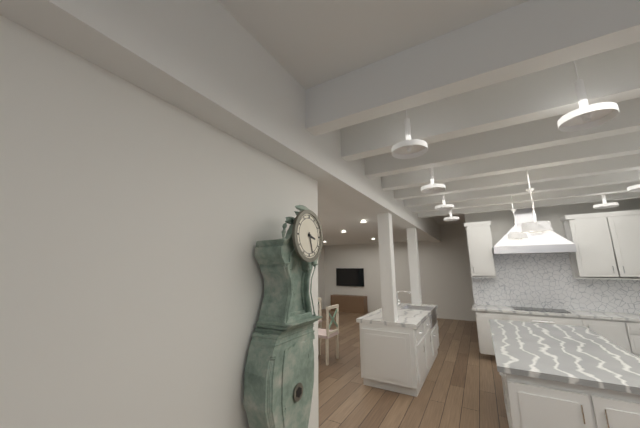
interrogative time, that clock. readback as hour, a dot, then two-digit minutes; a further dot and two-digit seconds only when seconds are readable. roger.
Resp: 3.27
